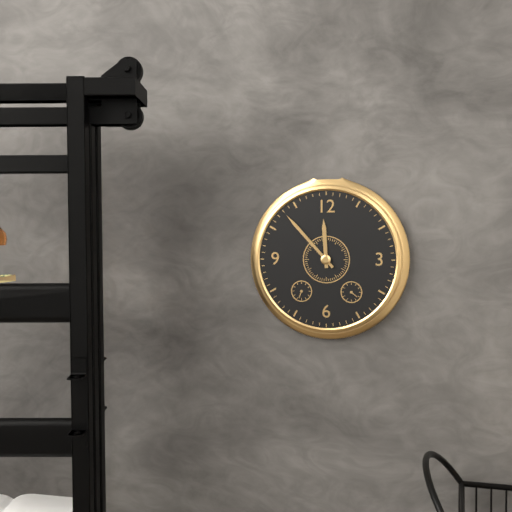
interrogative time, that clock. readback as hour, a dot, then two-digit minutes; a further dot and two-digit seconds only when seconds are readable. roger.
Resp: 11.53
